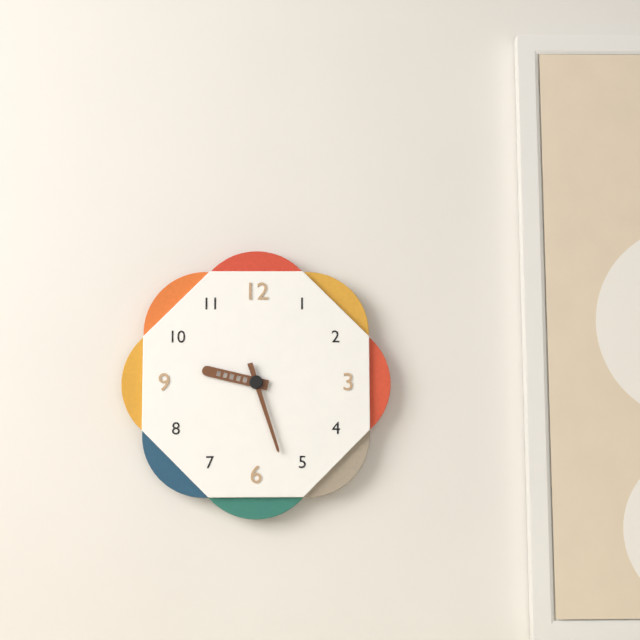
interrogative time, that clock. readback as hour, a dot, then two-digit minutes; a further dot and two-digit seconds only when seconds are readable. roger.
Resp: 9.27
